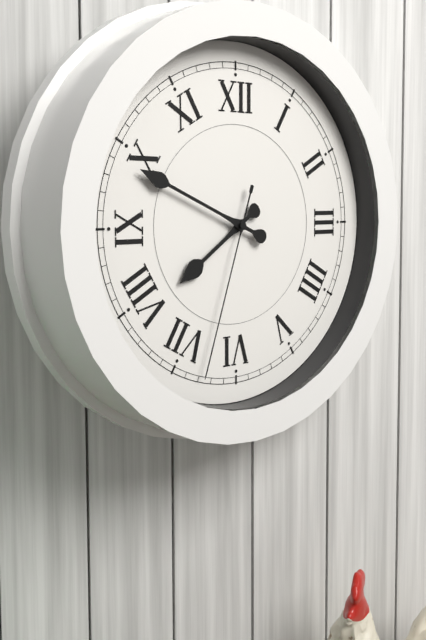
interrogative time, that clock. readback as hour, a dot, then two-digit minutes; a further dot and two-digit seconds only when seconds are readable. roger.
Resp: 7.49.33
